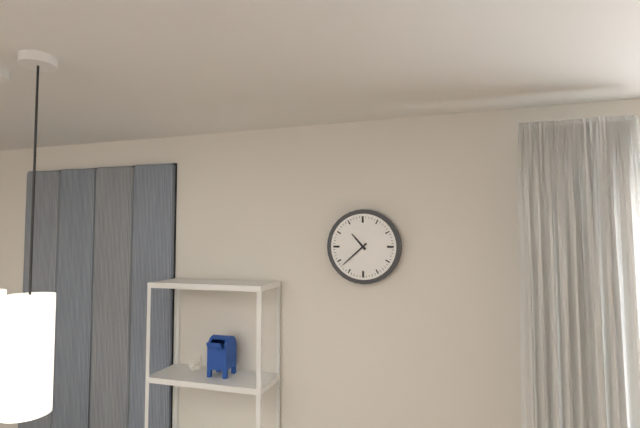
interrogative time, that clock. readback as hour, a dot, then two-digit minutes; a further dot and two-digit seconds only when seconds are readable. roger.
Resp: 10.38
